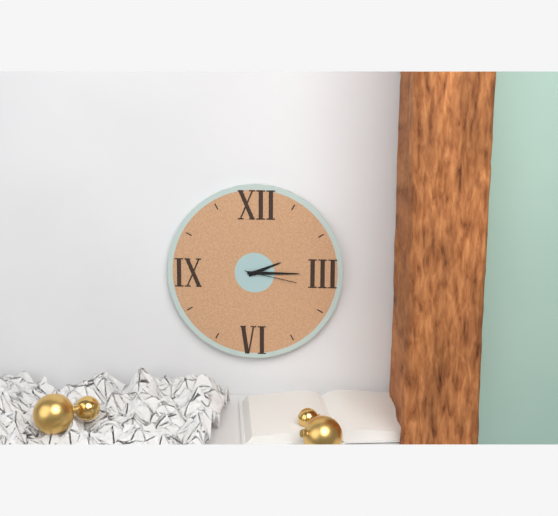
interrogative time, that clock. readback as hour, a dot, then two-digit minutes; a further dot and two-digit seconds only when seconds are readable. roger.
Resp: 2.15.17
